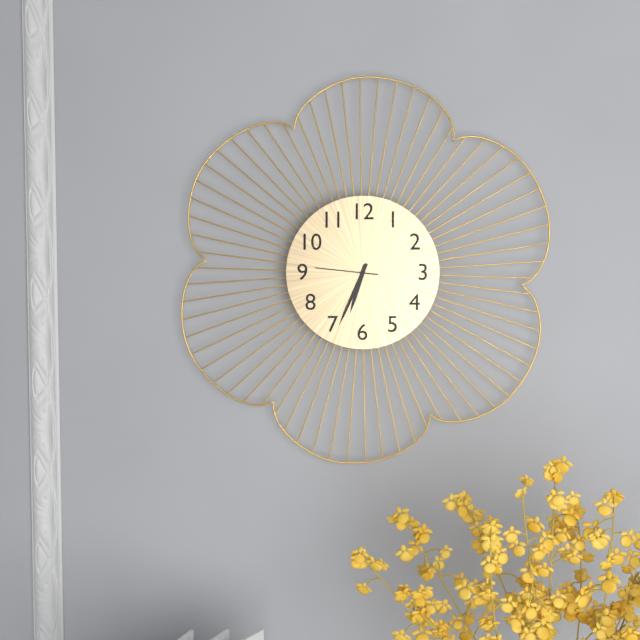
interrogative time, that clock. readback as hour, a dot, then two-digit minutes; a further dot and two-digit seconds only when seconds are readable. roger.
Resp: 6.34.46
